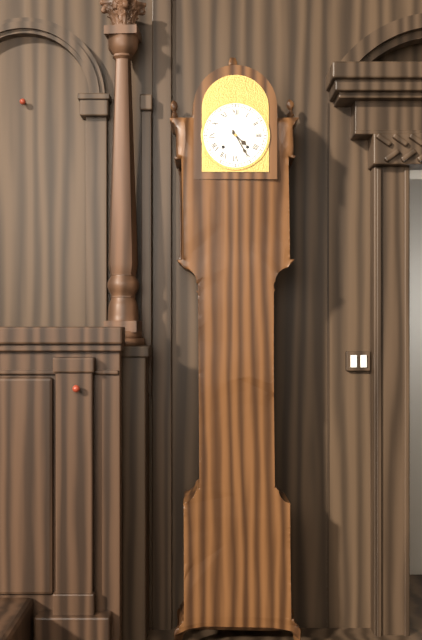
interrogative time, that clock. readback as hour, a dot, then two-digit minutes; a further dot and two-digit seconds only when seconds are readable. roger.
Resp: 4.25
